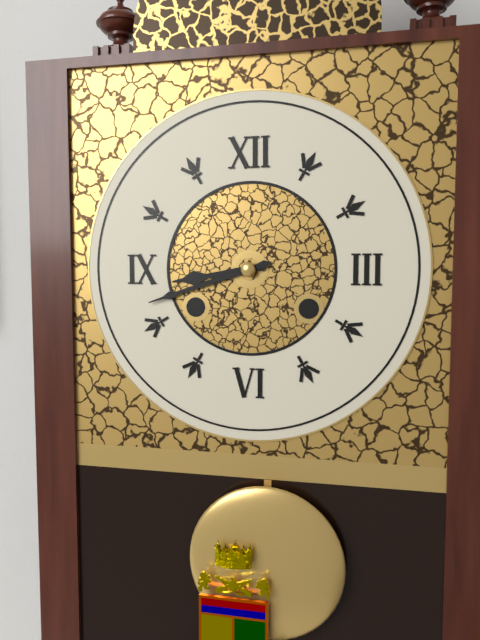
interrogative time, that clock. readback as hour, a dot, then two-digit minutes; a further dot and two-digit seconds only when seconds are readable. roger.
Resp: 8.42
